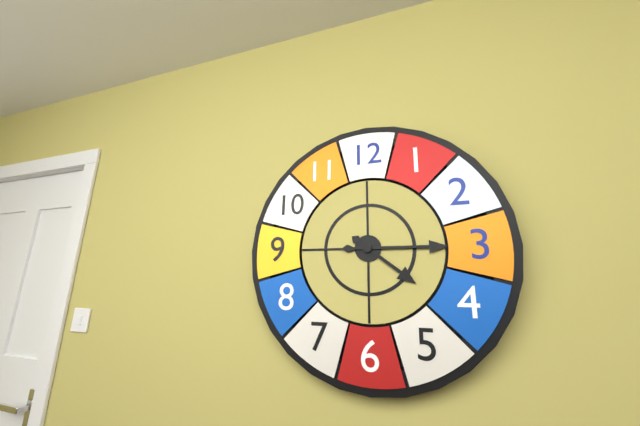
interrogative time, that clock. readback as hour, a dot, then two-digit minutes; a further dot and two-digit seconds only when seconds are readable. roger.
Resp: 4.15
